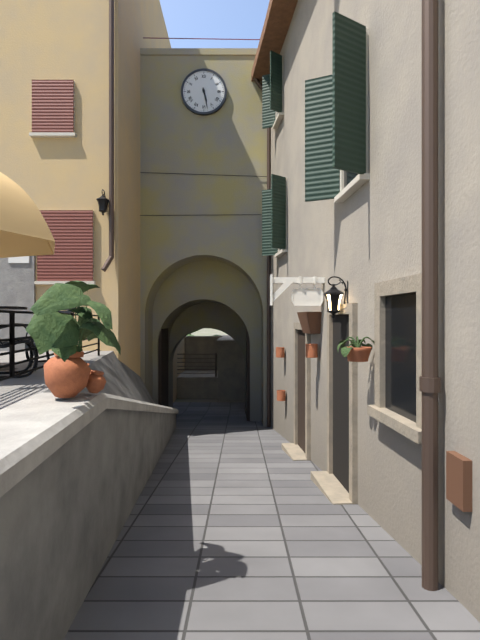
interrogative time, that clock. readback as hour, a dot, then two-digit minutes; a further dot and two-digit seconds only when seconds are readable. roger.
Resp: 5.28
